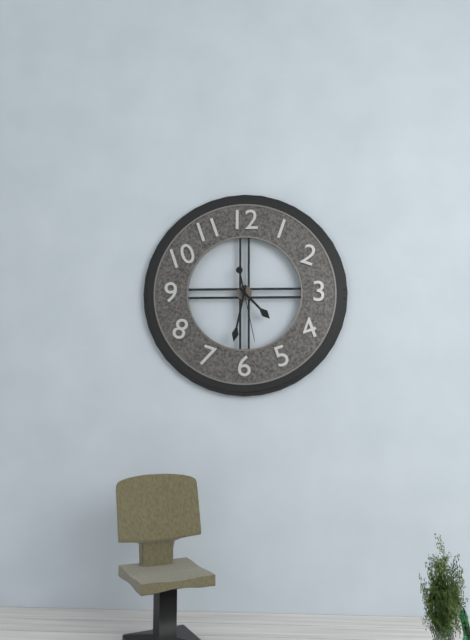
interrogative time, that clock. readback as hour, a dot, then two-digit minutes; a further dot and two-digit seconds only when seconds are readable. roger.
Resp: 4.32.28
